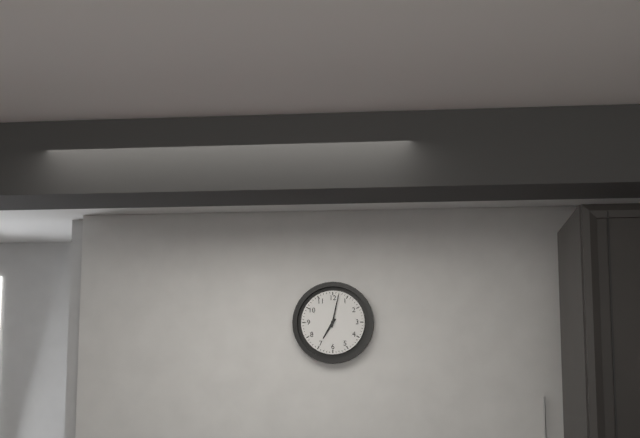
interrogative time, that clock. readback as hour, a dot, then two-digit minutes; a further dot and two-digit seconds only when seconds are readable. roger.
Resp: 7.02
